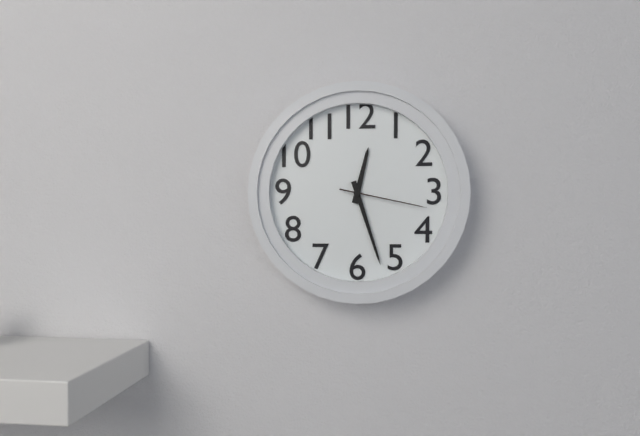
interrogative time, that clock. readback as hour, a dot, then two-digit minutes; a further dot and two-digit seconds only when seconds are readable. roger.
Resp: 12.27.17
